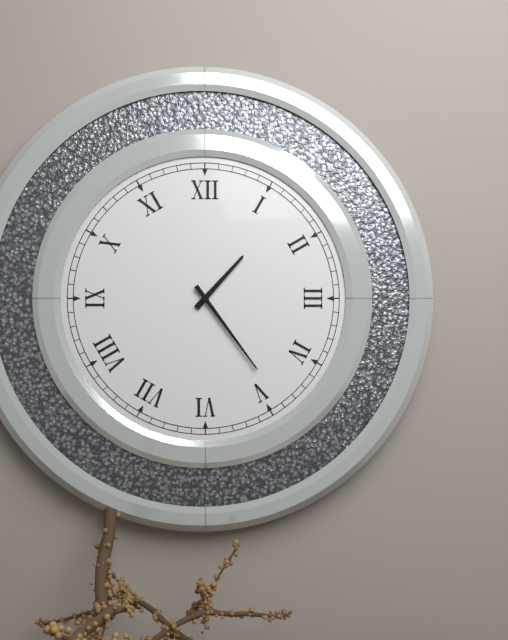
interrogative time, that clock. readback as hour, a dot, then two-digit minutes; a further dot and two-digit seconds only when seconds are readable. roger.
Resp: 1.24
